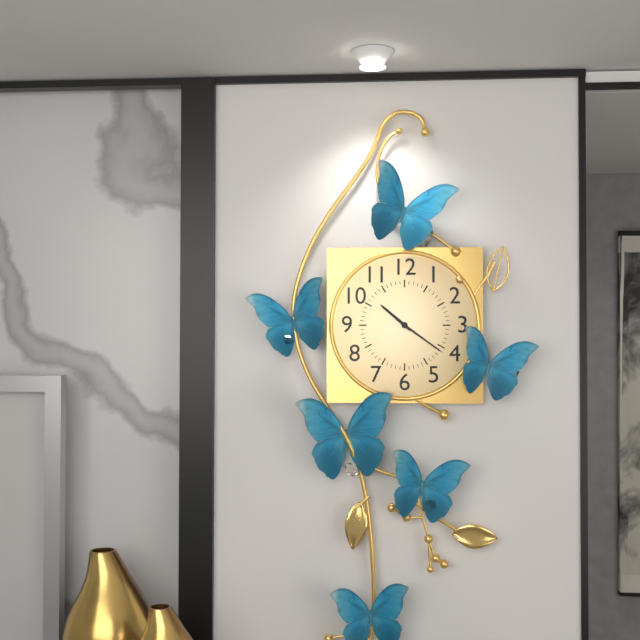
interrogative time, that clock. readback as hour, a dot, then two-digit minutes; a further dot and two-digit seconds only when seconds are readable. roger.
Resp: 10.21
